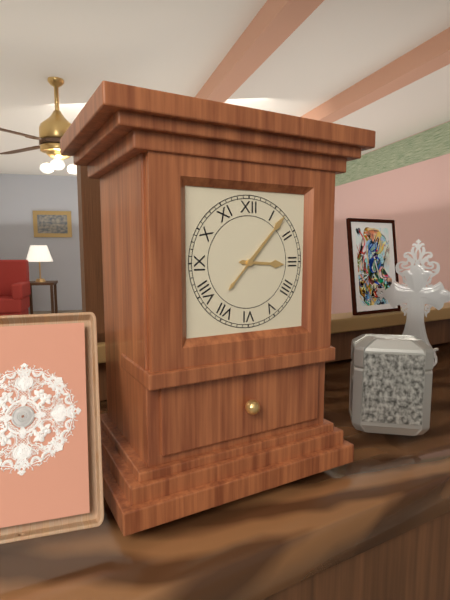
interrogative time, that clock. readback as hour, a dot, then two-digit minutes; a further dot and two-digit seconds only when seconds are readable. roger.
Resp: 3.07
